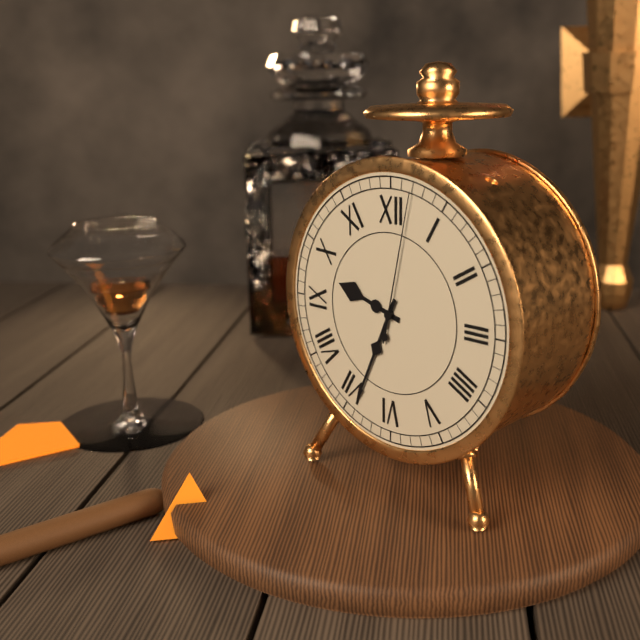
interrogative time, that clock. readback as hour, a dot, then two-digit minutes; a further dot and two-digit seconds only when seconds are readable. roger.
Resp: 9.34.02
